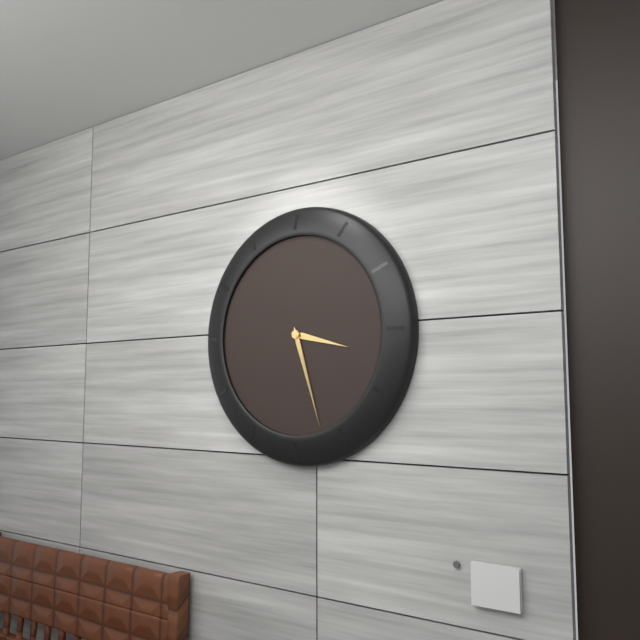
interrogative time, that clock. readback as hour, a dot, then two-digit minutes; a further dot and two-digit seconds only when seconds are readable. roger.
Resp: 3.27
